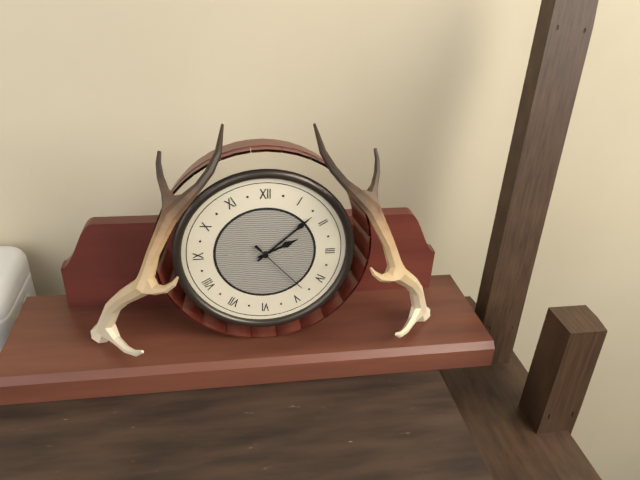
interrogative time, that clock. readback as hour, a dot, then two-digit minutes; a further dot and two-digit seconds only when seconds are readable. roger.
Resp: 2.08.23
